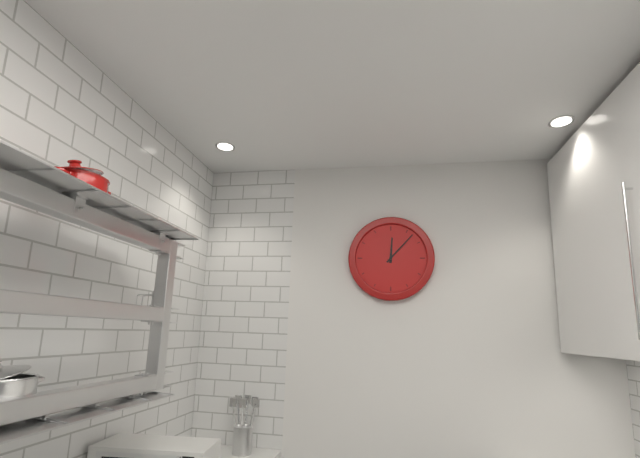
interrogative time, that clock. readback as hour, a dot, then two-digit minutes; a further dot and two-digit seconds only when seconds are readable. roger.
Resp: 12.07
